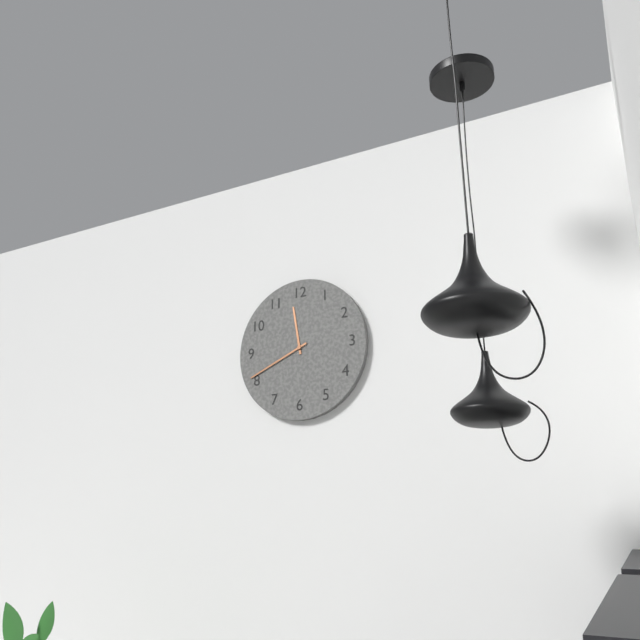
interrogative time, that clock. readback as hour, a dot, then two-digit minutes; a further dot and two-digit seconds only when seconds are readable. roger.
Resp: 11.41
